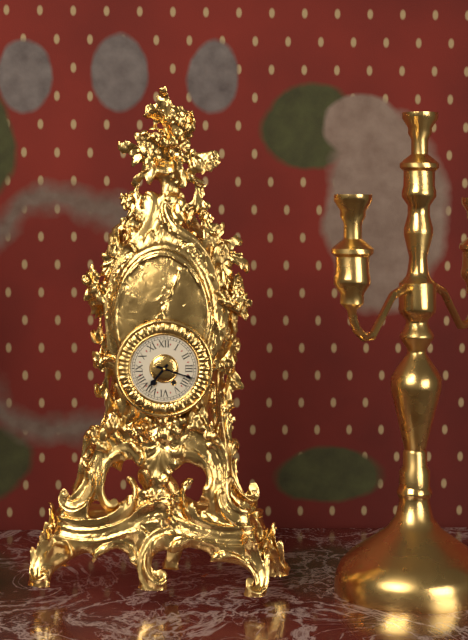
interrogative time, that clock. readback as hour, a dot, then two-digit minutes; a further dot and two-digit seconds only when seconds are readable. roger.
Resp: 7.18
